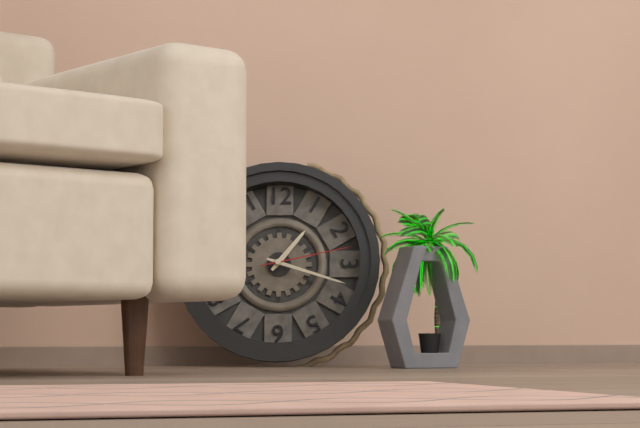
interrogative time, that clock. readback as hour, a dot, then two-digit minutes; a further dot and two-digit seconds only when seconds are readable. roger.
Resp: 1.18.13
